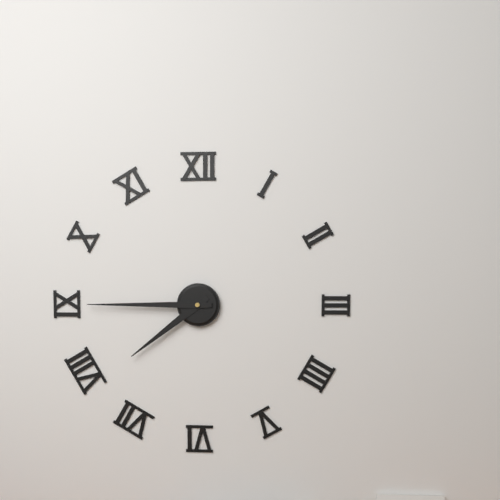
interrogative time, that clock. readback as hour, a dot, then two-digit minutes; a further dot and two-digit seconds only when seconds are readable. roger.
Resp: 7.45
